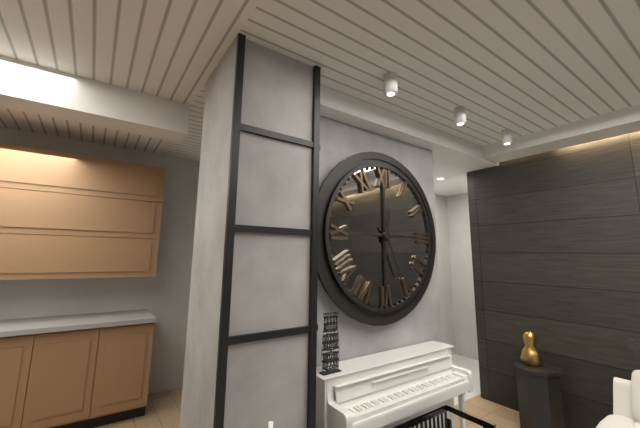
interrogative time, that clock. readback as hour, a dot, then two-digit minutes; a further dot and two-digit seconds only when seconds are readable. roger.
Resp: 12.26
